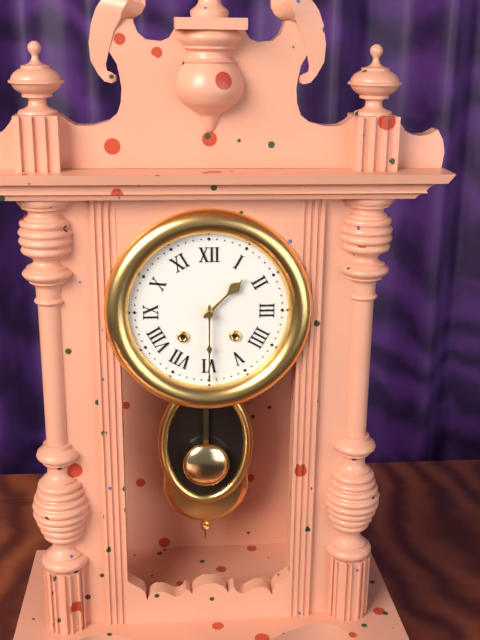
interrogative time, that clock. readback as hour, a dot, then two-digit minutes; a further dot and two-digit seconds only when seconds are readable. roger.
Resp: 1.30
